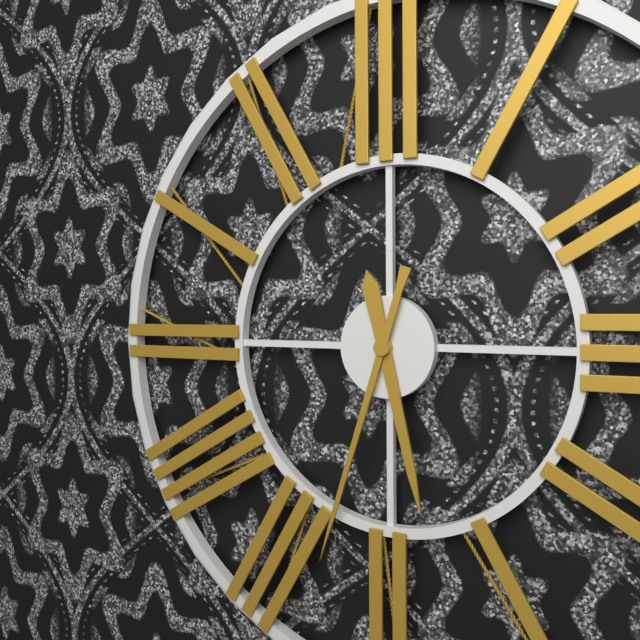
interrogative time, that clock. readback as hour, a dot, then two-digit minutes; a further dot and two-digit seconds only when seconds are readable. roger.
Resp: 5.33
